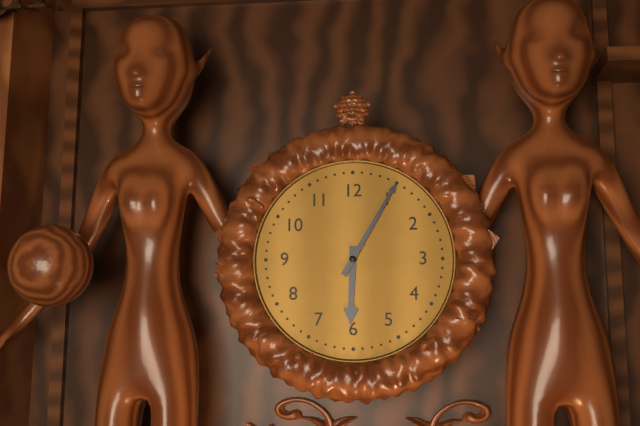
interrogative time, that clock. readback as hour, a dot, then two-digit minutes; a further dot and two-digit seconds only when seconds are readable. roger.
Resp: 6.05
